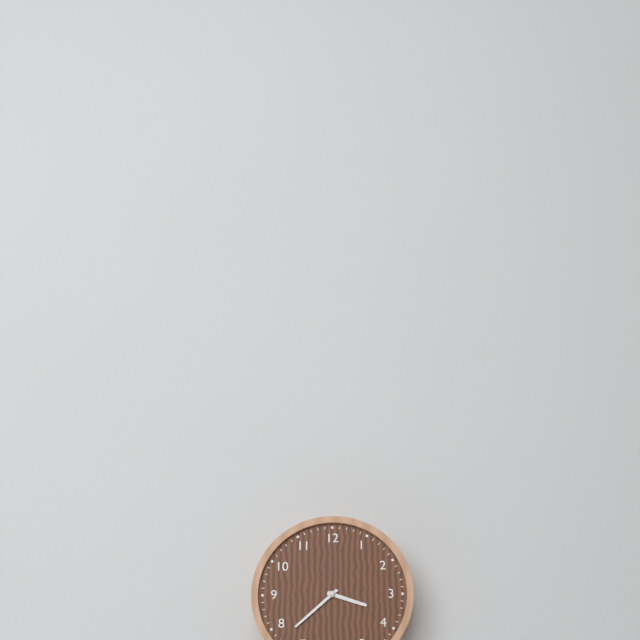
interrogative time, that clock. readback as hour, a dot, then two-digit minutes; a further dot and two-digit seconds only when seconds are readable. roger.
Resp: 3.38
